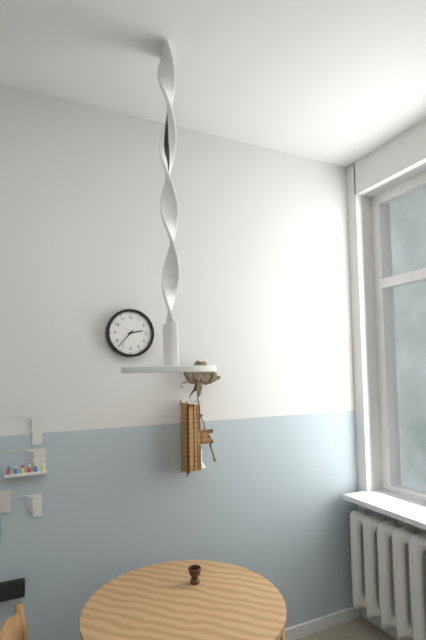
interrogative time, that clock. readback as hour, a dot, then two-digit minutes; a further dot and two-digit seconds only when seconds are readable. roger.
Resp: 2.37
